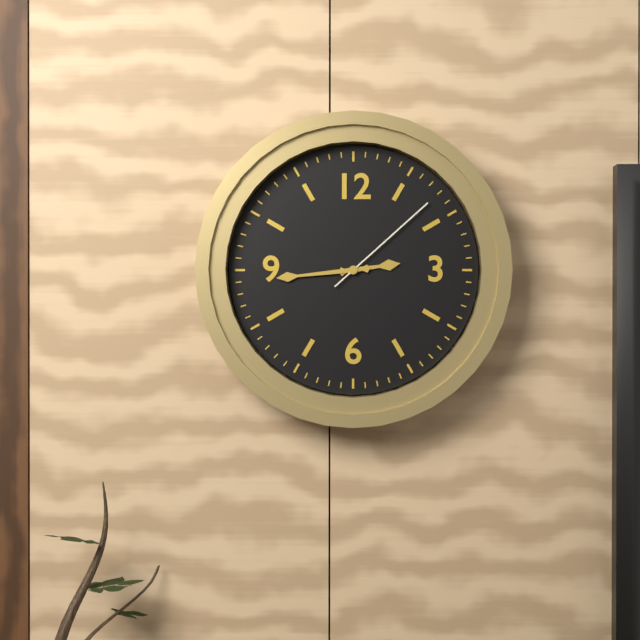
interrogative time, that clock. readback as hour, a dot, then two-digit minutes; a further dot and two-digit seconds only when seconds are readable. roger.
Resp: 2.44.08
